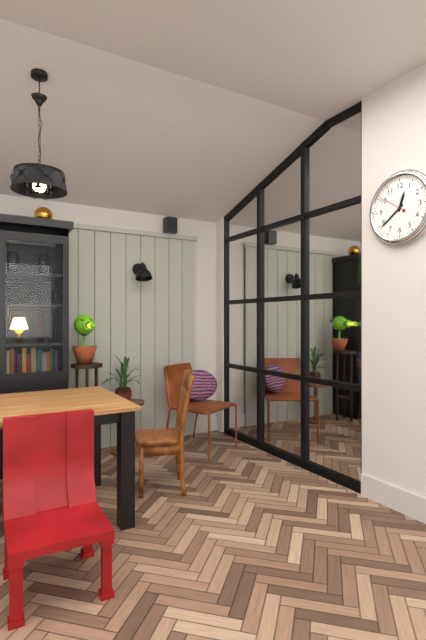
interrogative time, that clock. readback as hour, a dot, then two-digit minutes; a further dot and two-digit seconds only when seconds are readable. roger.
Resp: 12.39
